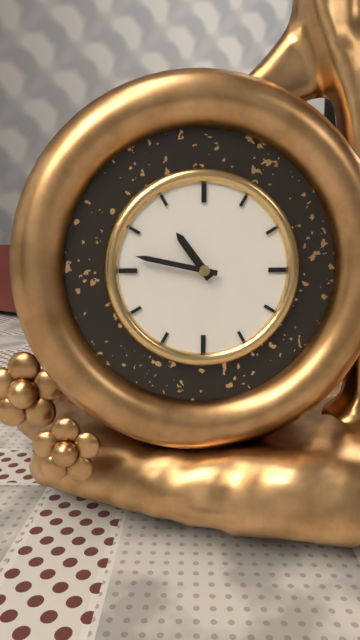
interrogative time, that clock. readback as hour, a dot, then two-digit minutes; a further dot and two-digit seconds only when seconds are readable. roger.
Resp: 10.47
